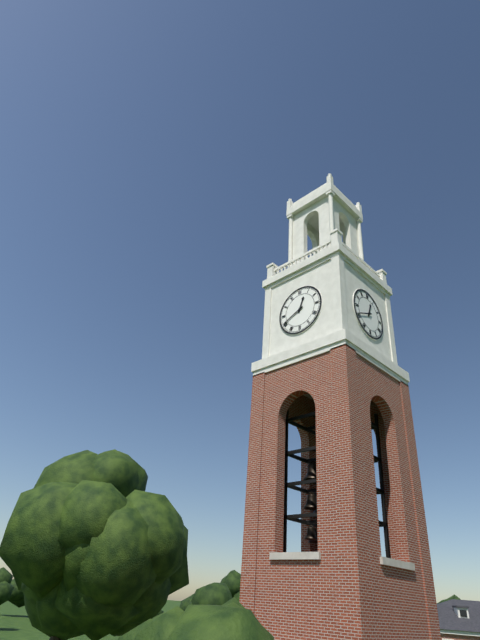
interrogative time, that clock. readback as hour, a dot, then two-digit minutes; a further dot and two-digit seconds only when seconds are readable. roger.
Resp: 12.41
